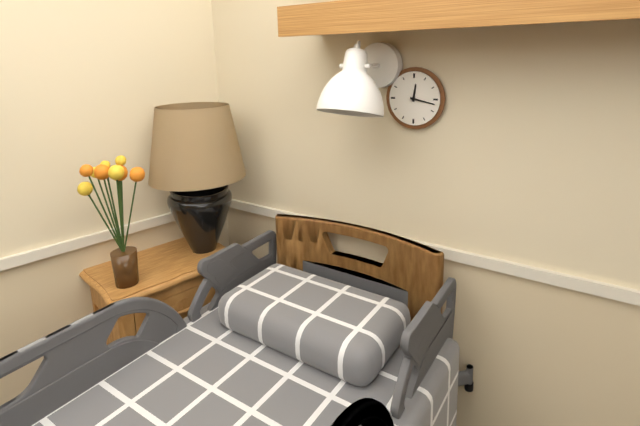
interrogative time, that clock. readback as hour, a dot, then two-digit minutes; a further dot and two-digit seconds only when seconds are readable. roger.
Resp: 12.17
